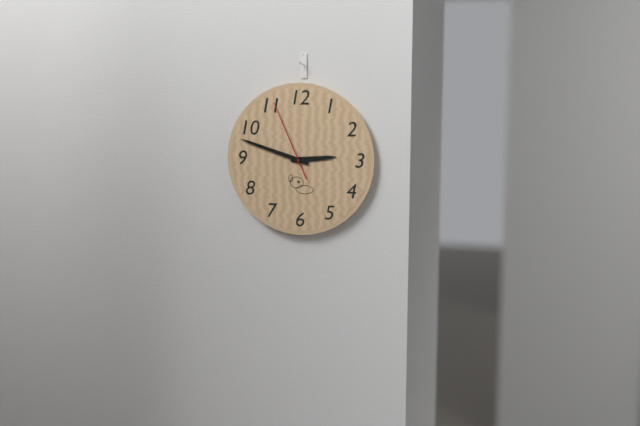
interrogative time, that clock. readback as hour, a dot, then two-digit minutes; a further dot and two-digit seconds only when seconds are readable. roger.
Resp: 2.48.56
